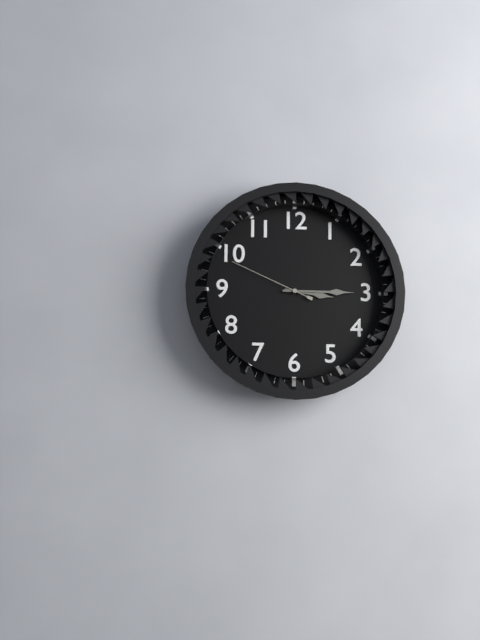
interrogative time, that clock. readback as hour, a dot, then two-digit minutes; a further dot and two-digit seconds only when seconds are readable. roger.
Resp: 3.15.49
